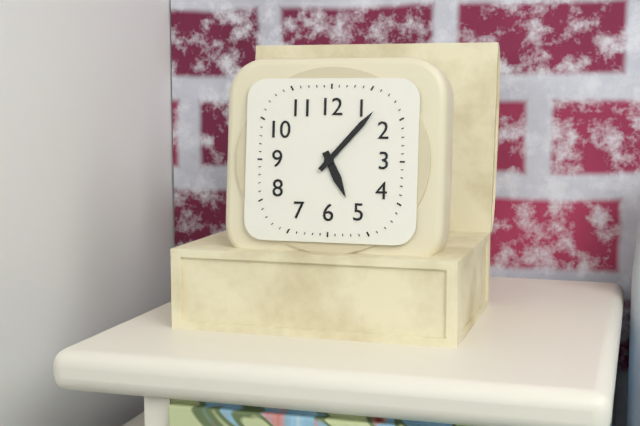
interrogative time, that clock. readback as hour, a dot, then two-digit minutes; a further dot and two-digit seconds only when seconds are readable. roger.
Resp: 5.07
